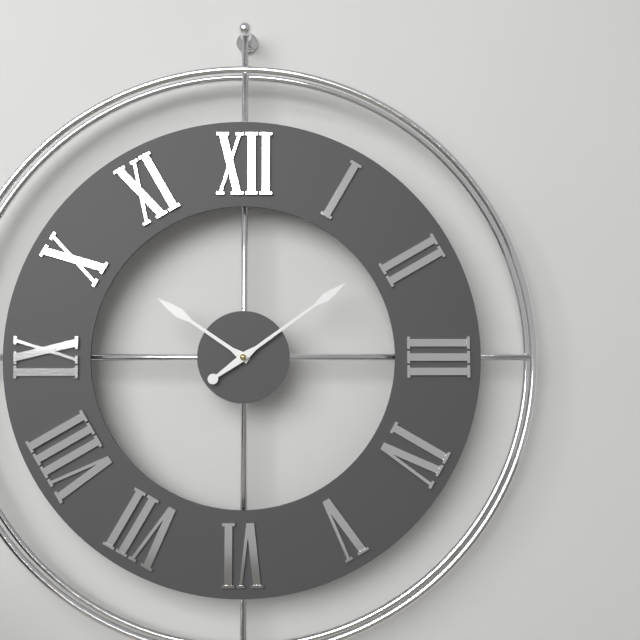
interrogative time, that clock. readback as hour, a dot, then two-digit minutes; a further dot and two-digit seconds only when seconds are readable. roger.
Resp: 10.09
